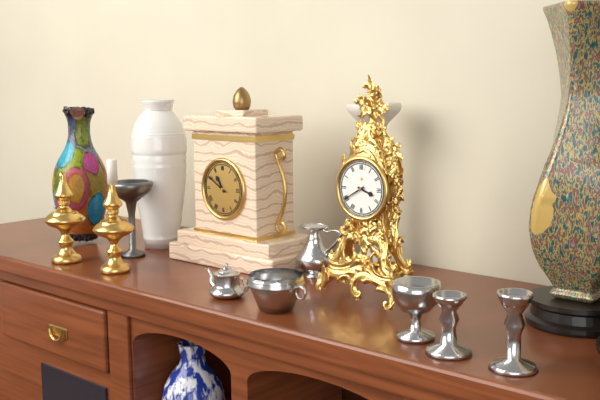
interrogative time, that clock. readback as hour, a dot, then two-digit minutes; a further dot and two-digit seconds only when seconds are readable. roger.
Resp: 3.40
